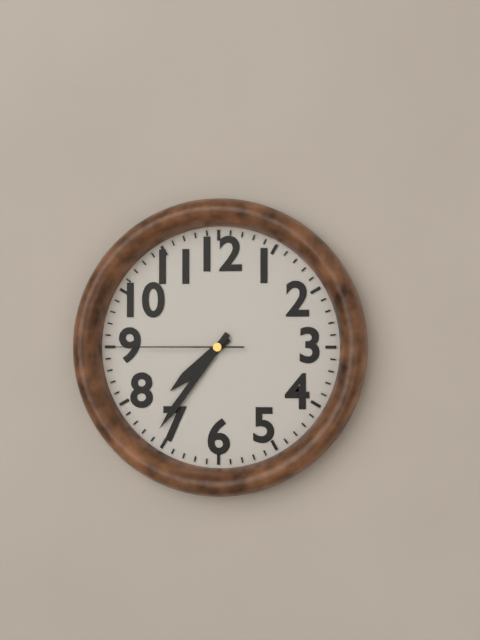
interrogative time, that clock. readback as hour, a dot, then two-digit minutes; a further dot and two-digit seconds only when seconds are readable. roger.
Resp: 7.36.45
